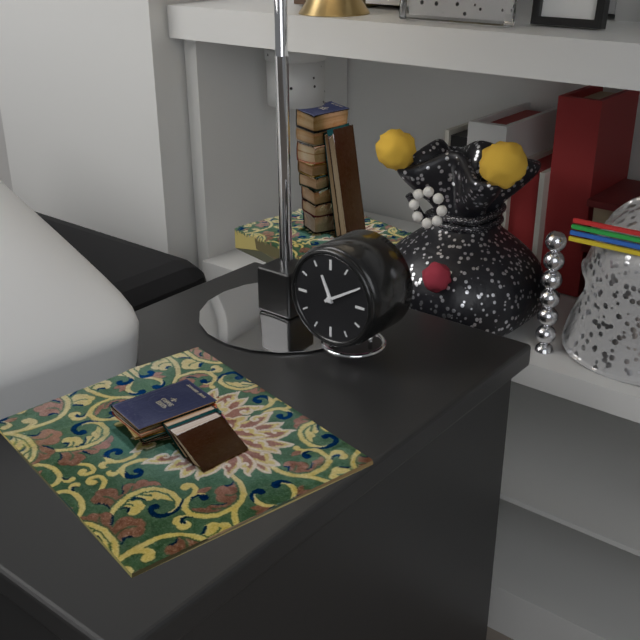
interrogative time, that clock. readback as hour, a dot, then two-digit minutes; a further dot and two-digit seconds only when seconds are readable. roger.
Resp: 11.10
